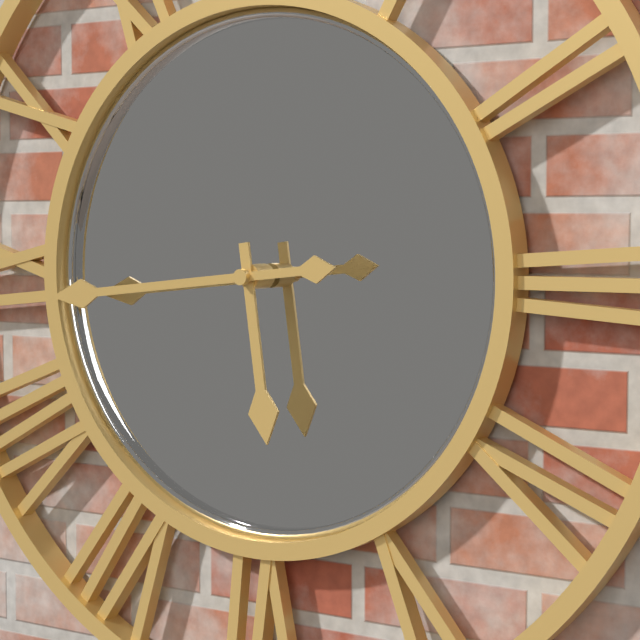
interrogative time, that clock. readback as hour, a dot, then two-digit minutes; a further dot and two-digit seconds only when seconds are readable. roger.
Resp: 5.44
